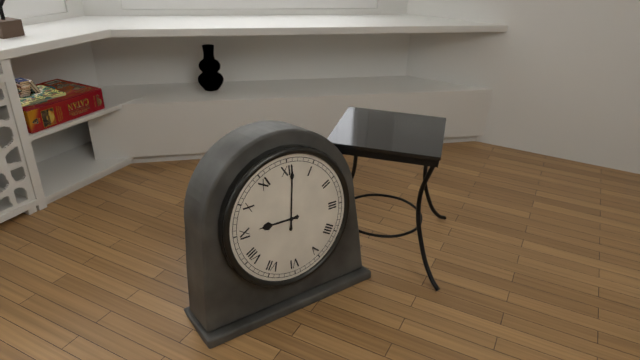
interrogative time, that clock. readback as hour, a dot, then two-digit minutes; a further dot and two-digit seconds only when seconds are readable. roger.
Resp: 9.01
